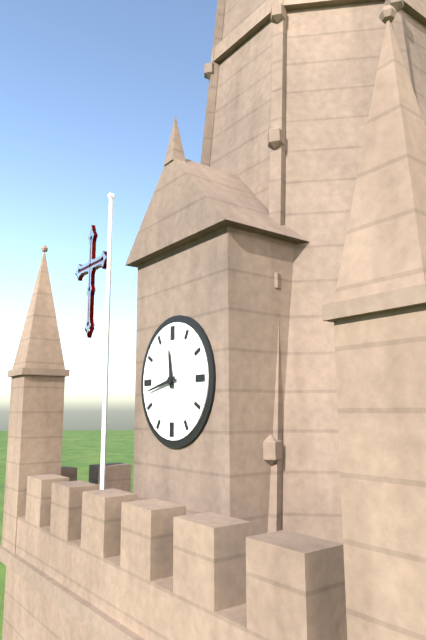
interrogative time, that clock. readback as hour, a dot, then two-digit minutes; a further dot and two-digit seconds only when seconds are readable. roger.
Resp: 11.43
